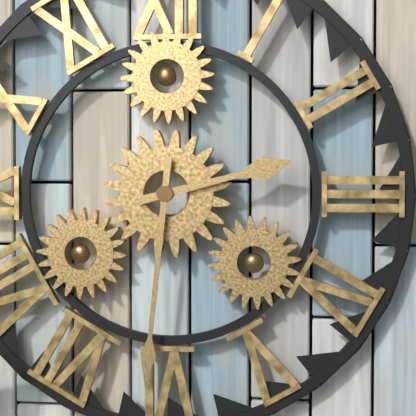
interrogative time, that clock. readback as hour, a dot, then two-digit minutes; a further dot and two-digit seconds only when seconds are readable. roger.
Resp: 2.31
